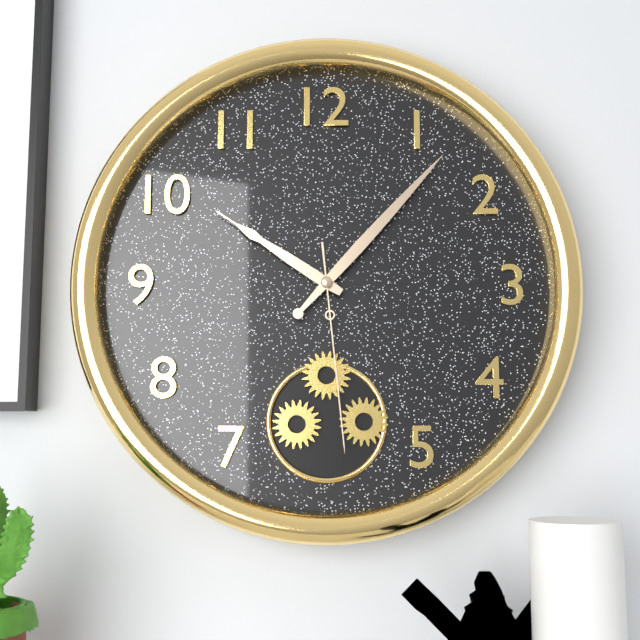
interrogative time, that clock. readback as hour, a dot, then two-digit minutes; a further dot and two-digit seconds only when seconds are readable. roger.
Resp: 10.07.29
